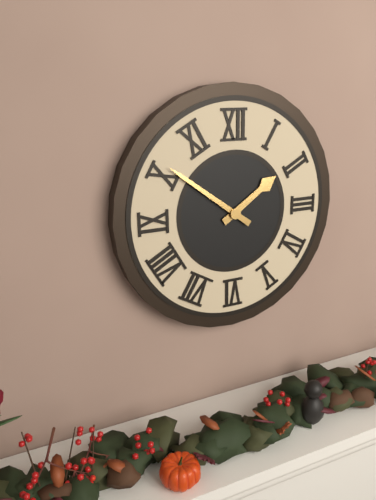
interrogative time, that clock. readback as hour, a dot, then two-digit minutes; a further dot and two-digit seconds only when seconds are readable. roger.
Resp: 1.51
